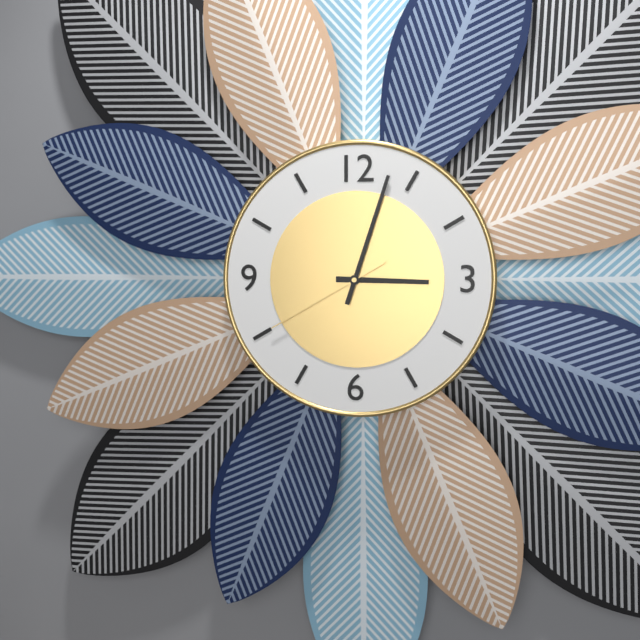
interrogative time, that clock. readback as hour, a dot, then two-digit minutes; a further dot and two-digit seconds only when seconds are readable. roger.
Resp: 3.03.40
